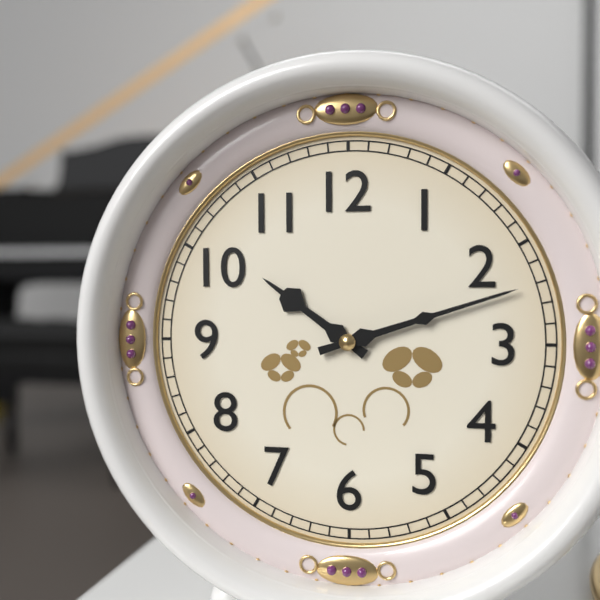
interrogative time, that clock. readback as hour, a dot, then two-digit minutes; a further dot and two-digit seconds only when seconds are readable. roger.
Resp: 10.12
